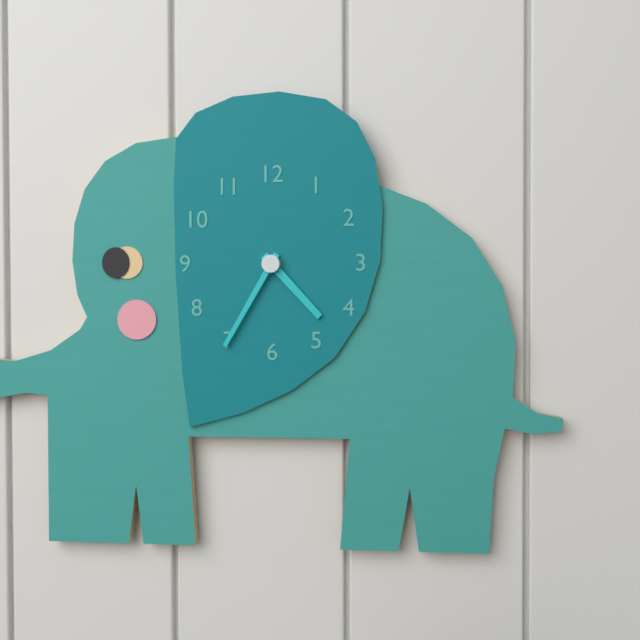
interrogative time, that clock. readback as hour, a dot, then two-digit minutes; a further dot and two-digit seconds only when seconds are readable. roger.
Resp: 4.35
